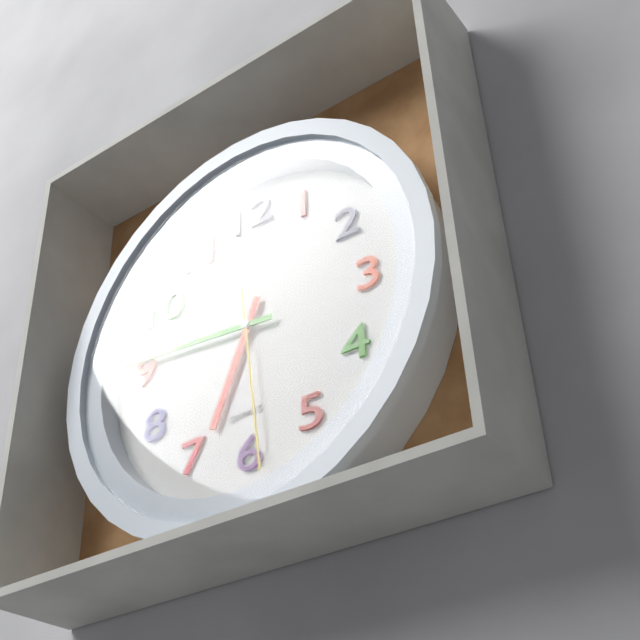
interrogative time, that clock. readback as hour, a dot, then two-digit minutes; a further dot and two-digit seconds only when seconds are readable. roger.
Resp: 6.46.29
